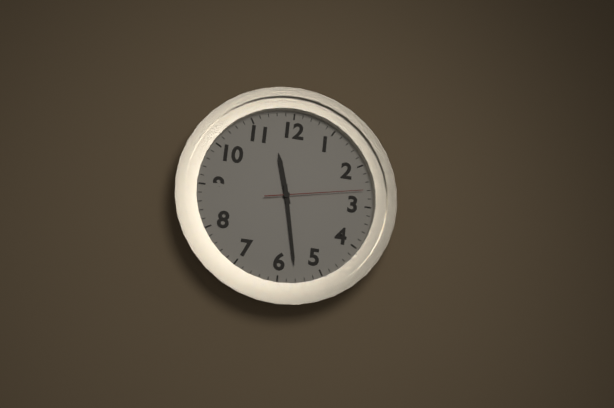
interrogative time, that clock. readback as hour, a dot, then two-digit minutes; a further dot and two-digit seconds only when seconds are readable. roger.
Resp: 11.28.13
